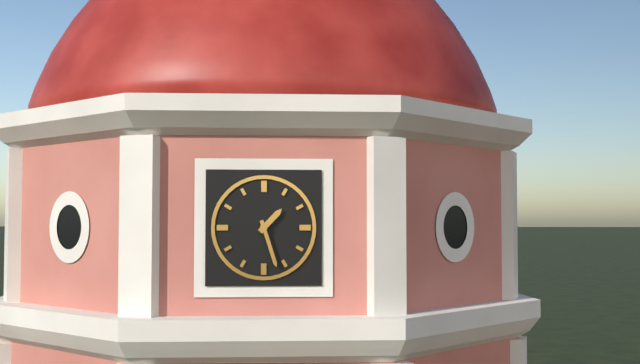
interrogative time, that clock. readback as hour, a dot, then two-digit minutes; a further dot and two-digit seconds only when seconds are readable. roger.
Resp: 1.27
